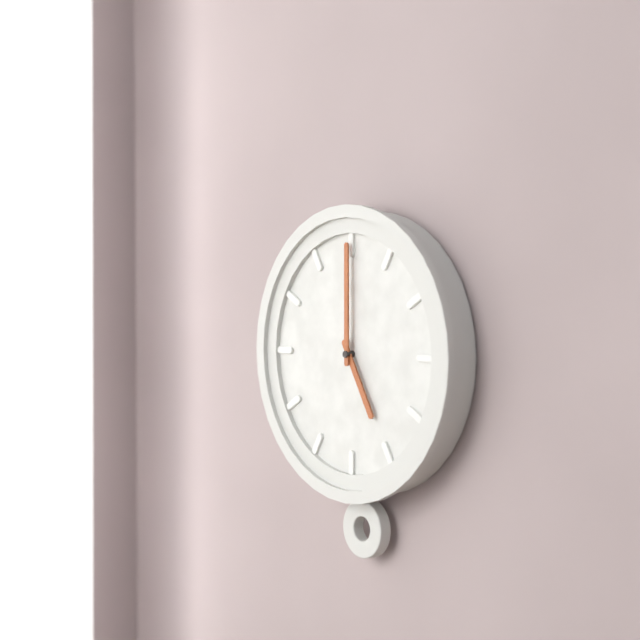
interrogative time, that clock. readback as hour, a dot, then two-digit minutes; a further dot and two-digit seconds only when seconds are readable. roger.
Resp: 5.00
